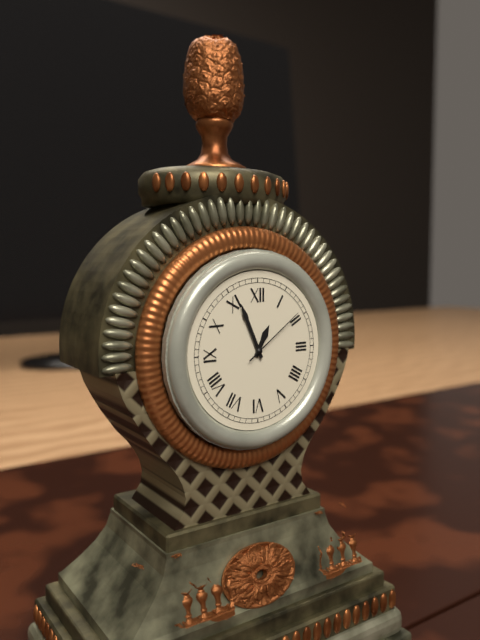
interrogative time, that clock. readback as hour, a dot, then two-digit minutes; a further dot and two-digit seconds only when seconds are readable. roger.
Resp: 12.56.09
